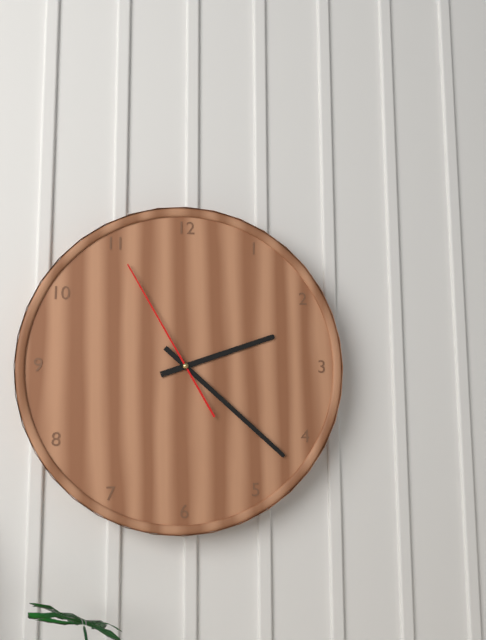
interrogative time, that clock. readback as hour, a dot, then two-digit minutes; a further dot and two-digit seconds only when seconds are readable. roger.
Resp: 2.22.55
